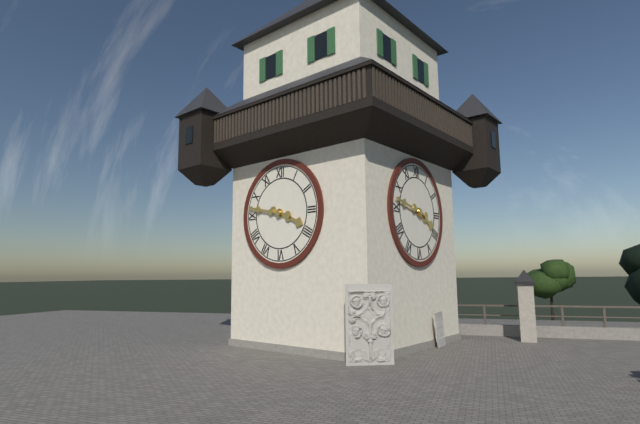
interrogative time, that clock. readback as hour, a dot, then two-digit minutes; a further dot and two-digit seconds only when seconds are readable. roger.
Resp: 3.47
